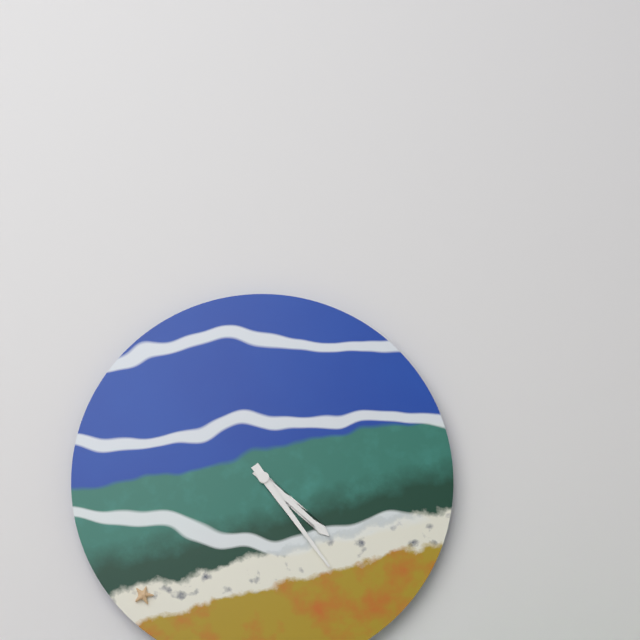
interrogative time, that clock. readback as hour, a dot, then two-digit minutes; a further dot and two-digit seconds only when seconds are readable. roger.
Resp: 4.24
